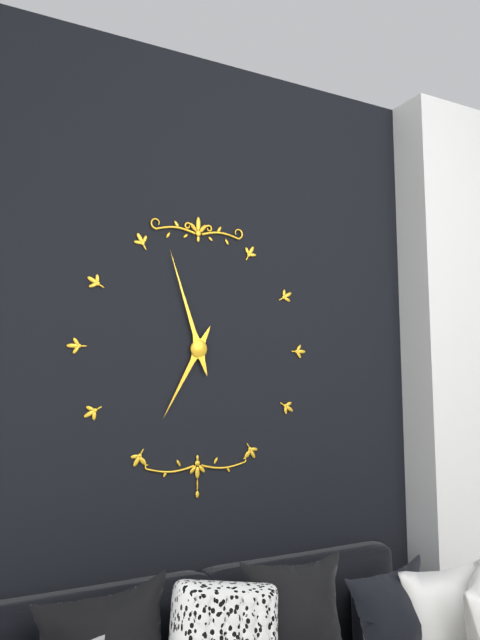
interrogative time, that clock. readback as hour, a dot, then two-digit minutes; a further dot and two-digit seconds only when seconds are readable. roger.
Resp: 6.57
